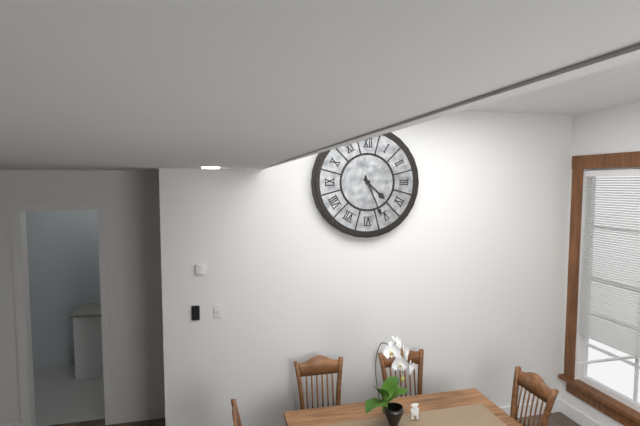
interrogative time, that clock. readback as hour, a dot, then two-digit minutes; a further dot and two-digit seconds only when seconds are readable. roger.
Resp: 4.26
